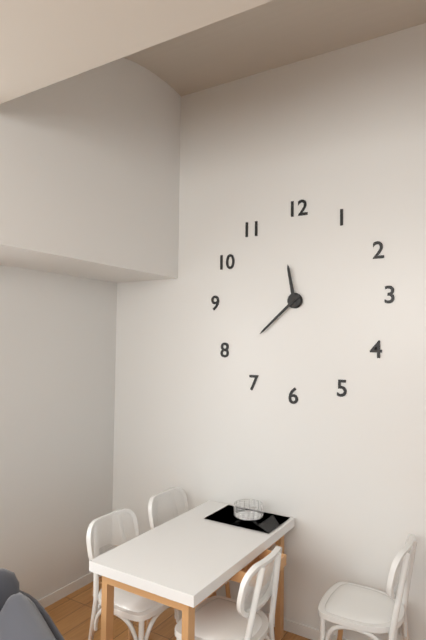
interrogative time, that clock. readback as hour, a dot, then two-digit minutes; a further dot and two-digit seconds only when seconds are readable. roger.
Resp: 11.38
